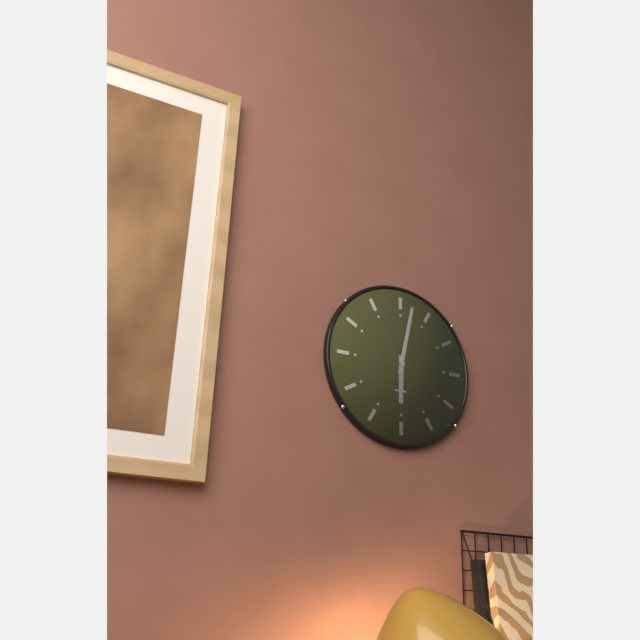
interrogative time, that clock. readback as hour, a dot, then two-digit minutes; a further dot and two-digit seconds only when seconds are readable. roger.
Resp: 6.02
